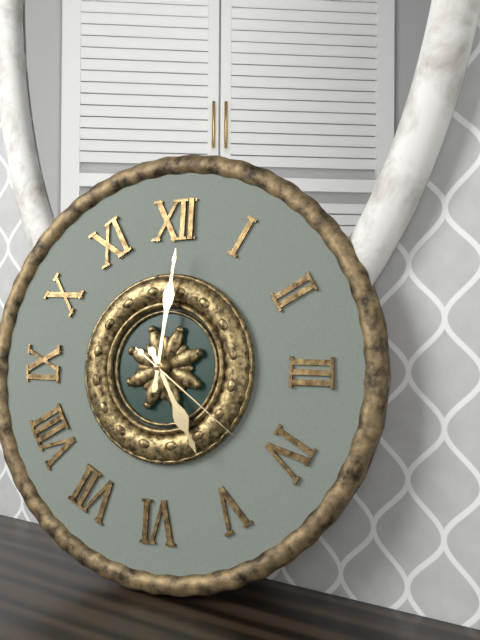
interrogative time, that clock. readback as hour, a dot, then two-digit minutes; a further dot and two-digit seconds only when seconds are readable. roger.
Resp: 5.01.21
